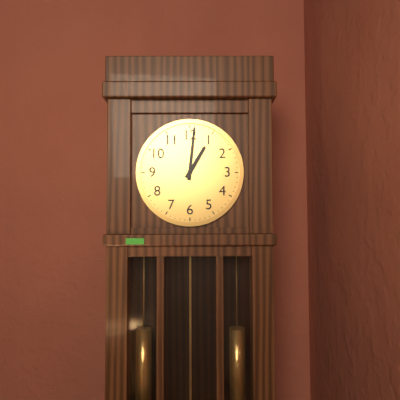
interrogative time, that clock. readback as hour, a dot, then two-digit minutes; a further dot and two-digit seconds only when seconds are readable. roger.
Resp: 1.01
